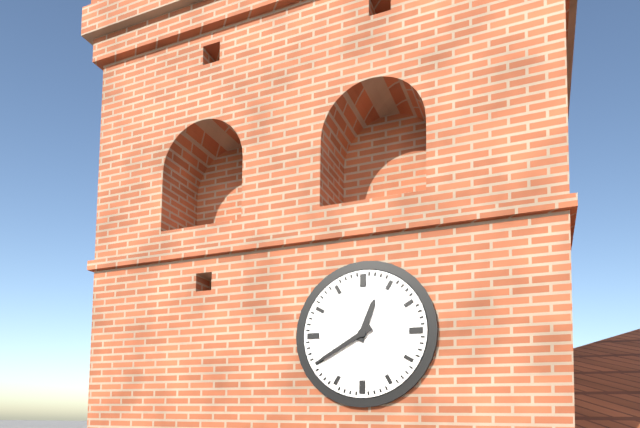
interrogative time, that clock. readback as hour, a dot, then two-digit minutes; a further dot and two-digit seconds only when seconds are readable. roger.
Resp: 12.40
